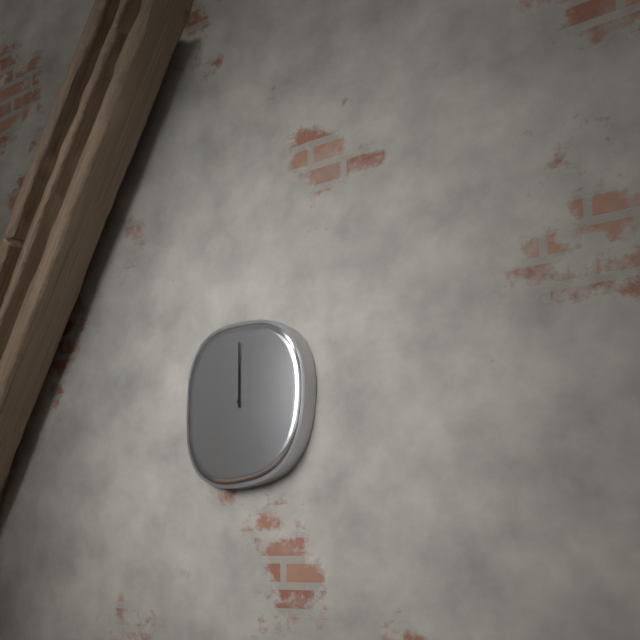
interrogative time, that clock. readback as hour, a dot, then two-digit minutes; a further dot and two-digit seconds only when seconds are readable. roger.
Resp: 12.00
